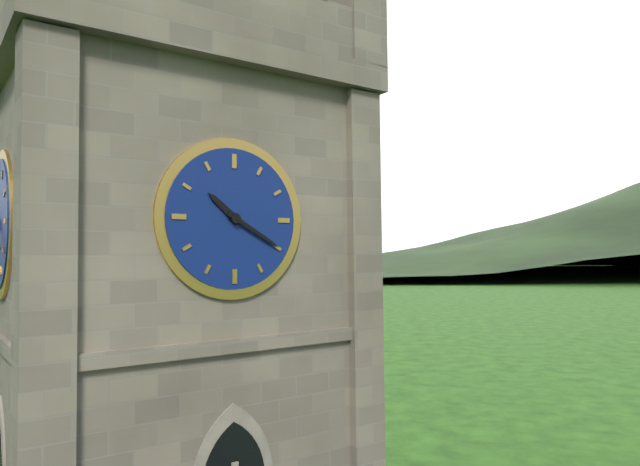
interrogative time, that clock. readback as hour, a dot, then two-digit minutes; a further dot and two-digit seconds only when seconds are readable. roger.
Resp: 10.20
